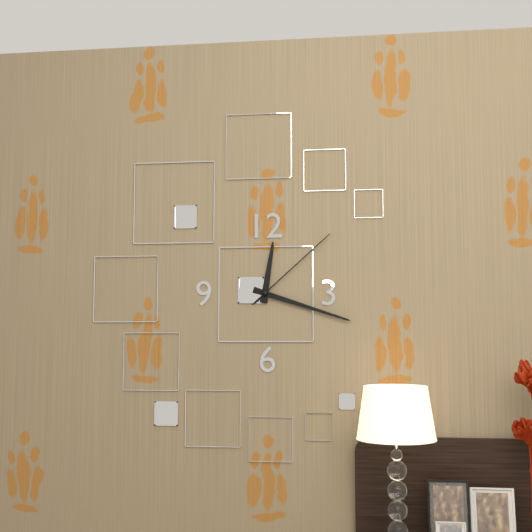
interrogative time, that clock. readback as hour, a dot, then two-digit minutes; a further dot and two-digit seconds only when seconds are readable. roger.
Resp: 12.18.08
